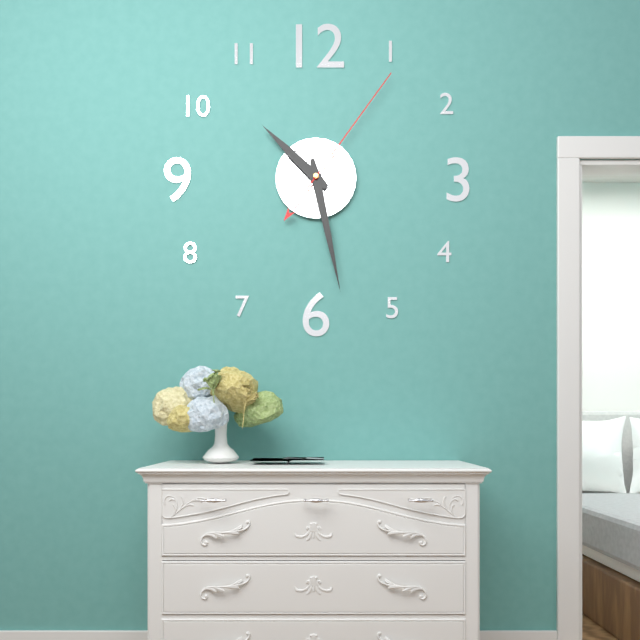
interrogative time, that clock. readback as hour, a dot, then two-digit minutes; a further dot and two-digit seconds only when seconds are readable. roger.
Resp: 10.28.06
